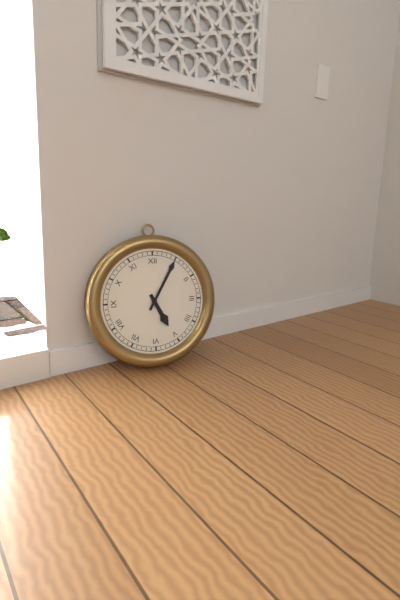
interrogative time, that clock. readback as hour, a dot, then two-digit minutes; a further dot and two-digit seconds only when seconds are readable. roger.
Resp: 5.05
